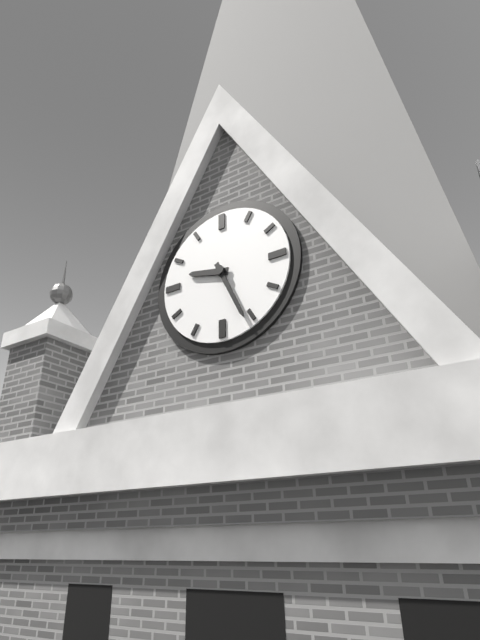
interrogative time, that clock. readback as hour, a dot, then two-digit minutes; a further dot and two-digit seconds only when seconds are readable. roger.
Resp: 9.26
